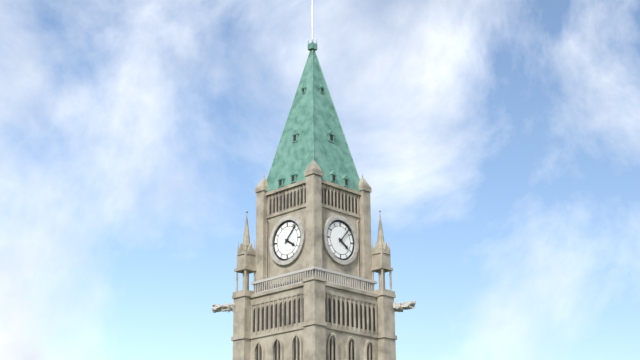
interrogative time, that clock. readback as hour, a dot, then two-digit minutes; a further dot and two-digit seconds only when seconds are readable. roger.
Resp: 4.07
